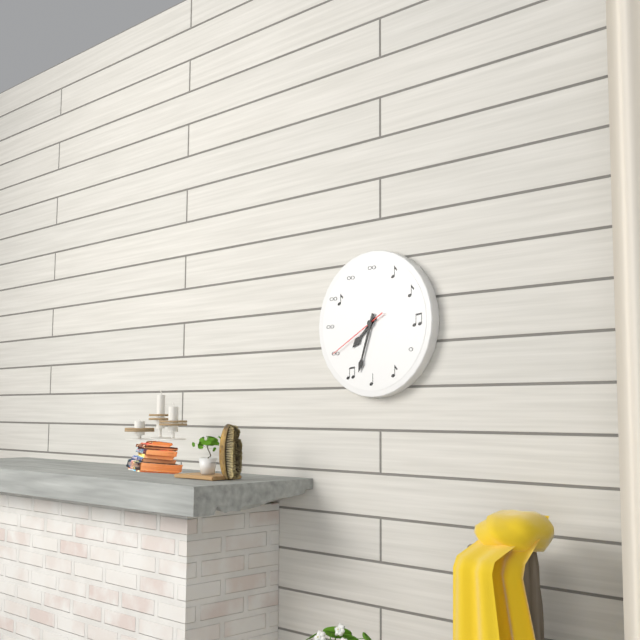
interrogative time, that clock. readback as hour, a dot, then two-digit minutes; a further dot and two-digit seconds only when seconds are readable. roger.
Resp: 7.33.40
